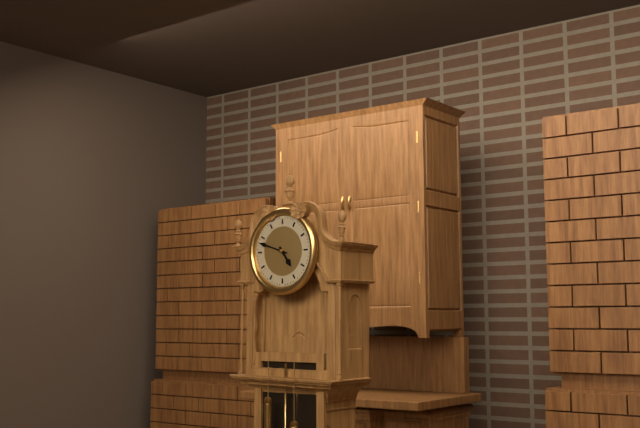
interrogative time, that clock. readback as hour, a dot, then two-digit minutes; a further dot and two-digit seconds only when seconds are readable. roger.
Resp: 4.48
